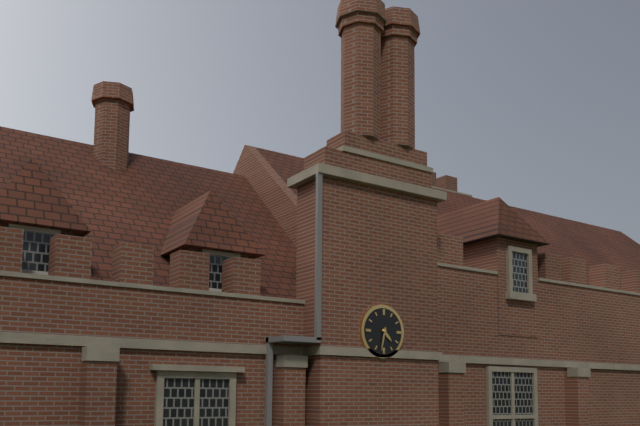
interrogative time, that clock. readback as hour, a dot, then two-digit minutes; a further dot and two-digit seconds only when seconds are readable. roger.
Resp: 4.32
